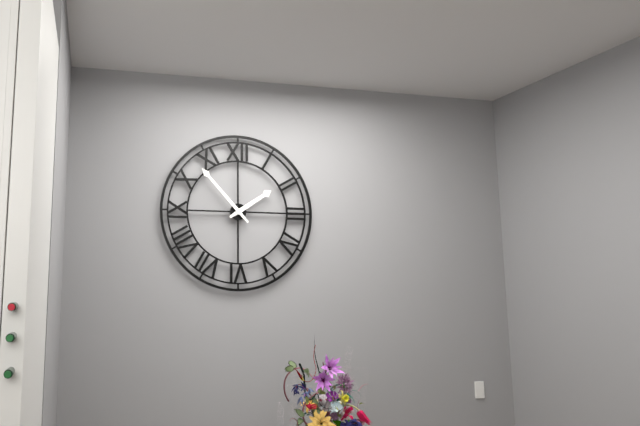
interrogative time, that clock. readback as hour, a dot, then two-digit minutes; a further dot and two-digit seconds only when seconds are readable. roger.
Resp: 1.53
